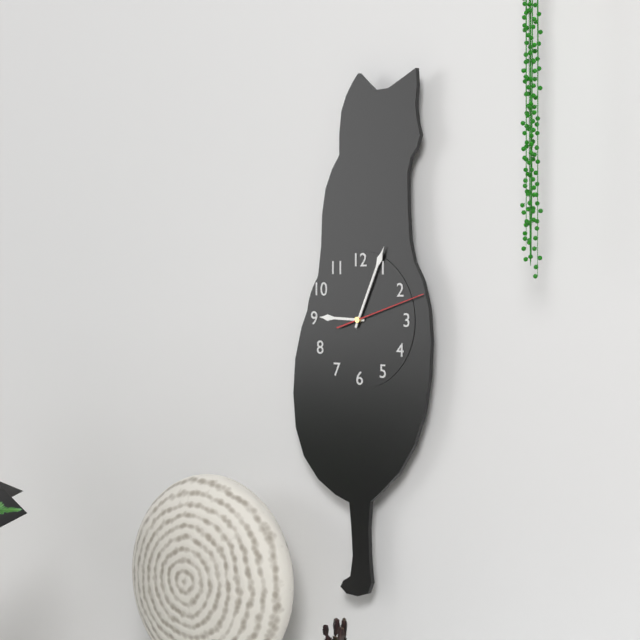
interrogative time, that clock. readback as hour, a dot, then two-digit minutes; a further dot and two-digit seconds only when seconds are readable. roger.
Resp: 9.04.12
